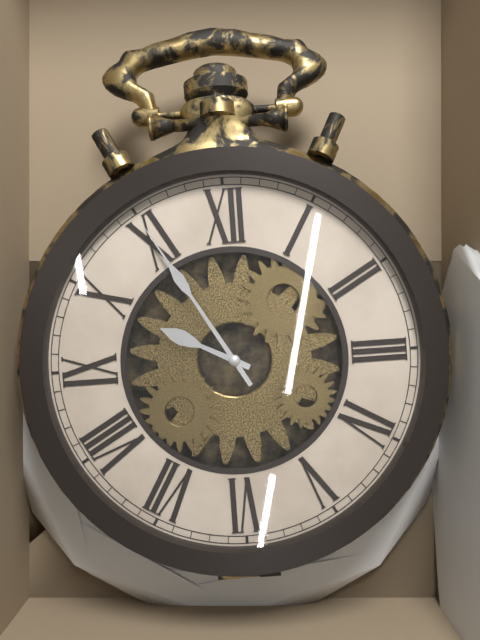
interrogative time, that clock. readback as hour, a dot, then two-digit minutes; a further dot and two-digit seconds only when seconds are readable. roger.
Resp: 9.55
